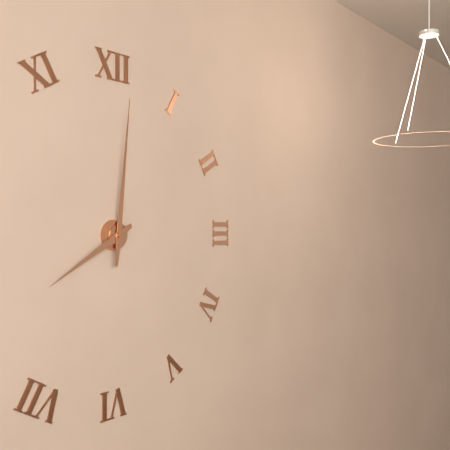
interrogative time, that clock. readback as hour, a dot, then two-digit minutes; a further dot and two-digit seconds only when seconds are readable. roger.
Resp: 8.01
